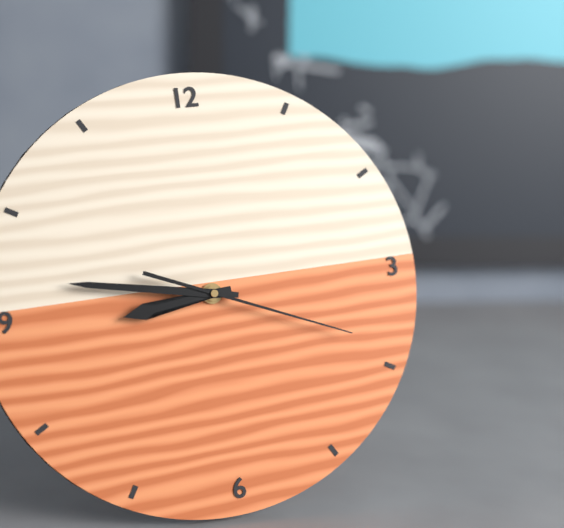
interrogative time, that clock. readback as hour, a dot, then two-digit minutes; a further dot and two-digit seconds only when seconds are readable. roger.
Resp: 8.47.19
